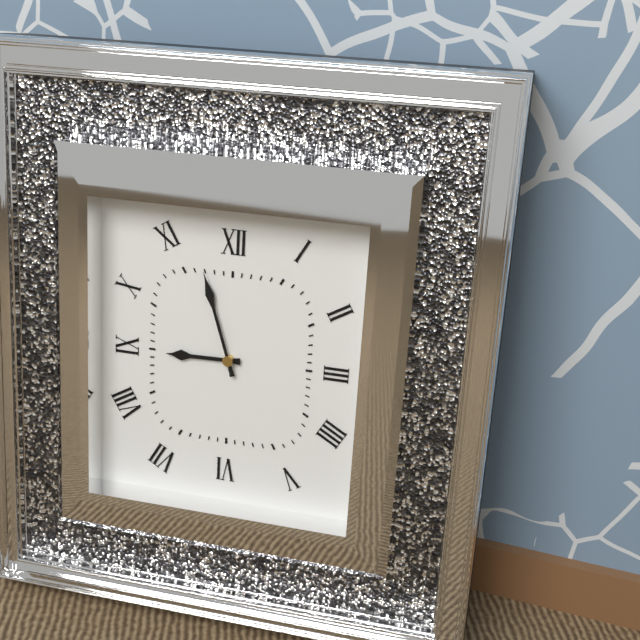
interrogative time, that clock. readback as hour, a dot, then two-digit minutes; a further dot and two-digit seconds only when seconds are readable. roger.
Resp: 8.57
